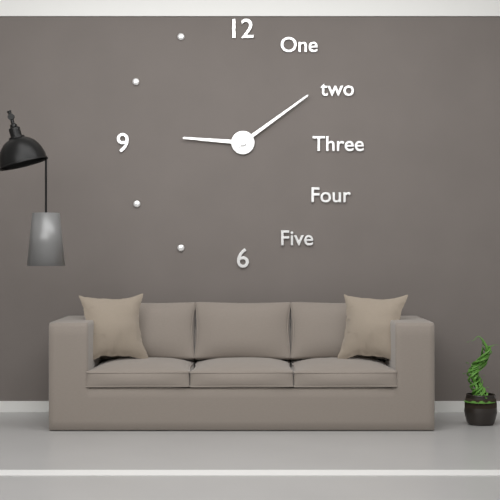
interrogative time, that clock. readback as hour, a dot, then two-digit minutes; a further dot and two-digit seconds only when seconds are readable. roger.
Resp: 9.09
